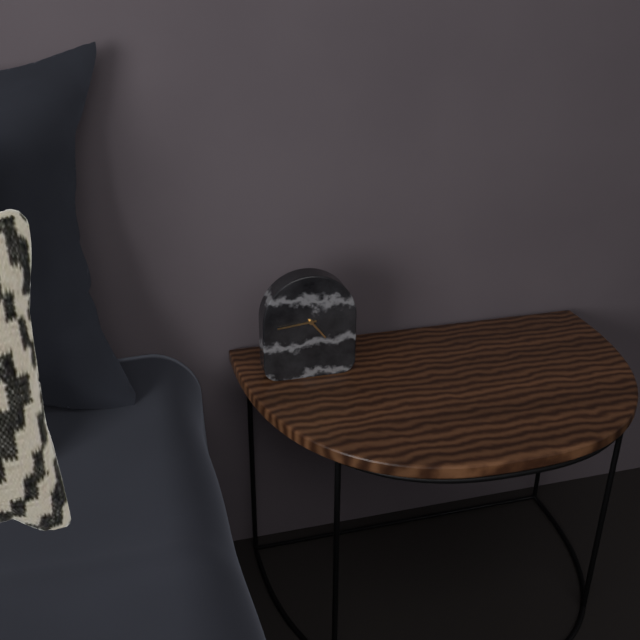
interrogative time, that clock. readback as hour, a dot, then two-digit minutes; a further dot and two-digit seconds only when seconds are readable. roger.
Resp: 4.44
